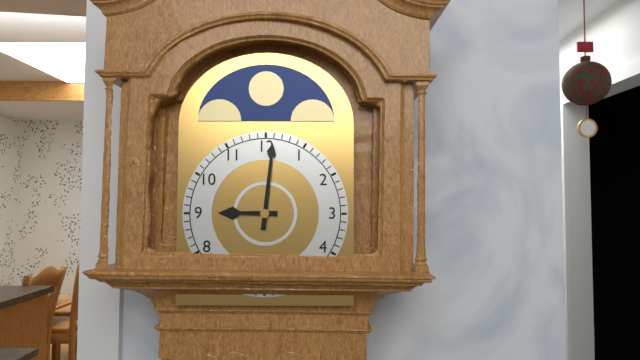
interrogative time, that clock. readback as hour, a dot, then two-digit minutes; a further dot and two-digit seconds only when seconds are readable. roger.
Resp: 9.01
